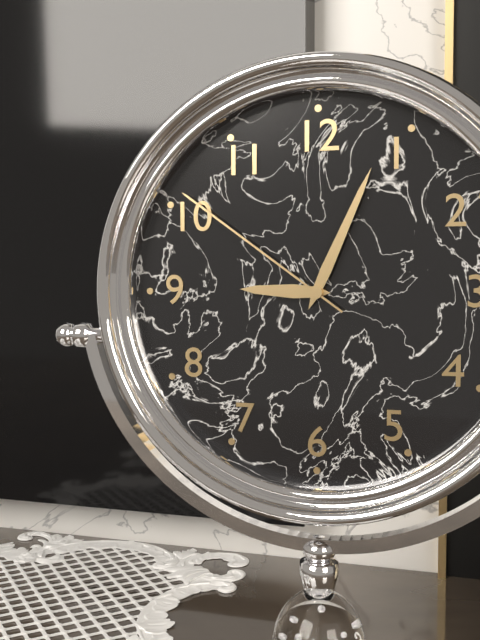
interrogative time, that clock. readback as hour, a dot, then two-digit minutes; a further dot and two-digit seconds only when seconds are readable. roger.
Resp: 9.04.51
